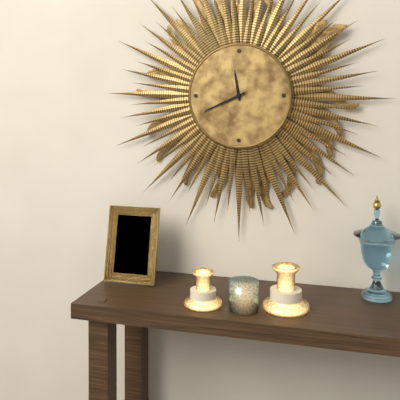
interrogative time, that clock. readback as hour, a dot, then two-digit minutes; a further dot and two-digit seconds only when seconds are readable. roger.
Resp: 11.41
